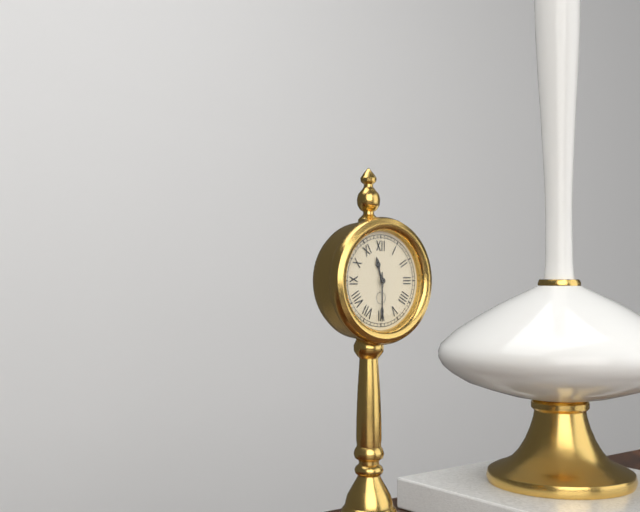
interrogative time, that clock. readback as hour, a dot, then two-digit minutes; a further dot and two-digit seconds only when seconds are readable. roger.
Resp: 11.30
